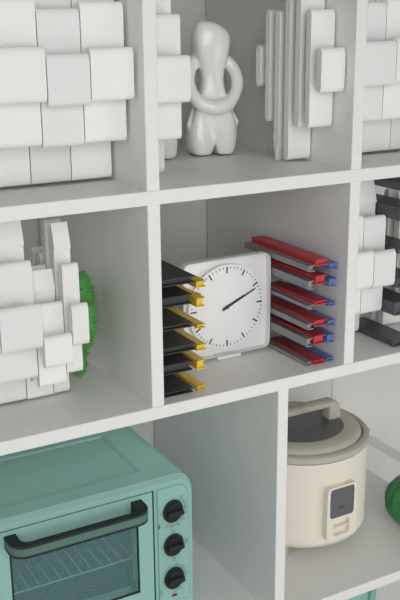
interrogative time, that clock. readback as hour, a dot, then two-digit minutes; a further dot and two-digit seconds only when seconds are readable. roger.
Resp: 2.11
